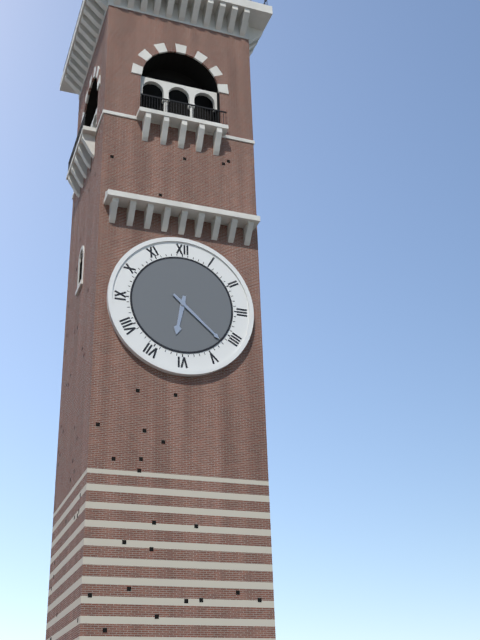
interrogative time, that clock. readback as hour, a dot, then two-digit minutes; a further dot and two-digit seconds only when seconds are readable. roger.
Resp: 6.22
